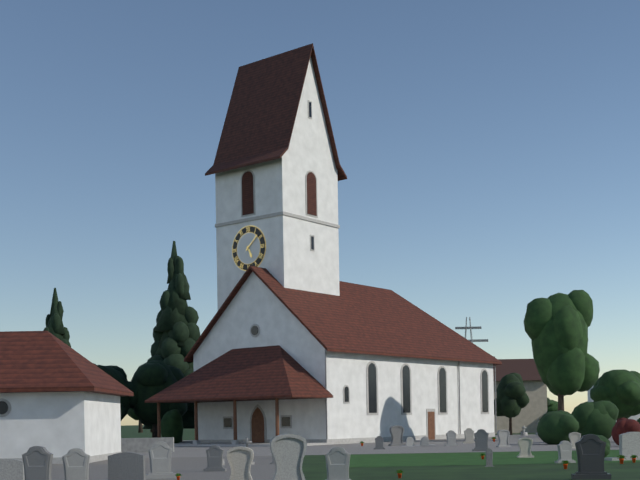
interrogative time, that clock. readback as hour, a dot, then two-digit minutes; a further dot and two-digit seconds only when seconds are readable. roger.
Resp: 5.08
